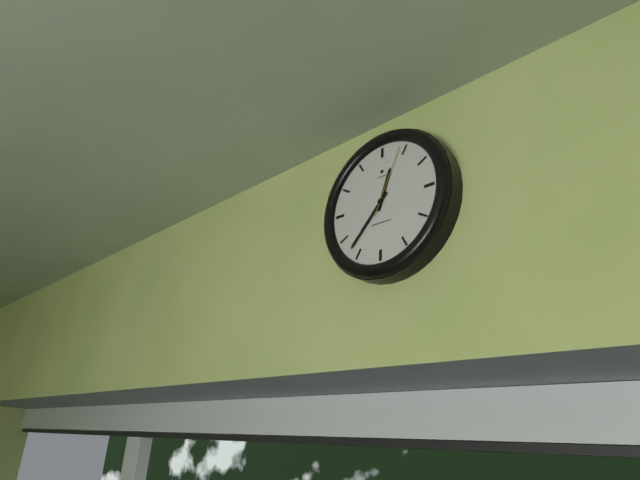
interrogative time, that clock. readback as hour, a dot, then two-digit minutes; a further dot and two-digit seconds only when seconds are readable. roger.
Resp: 12.37.04
